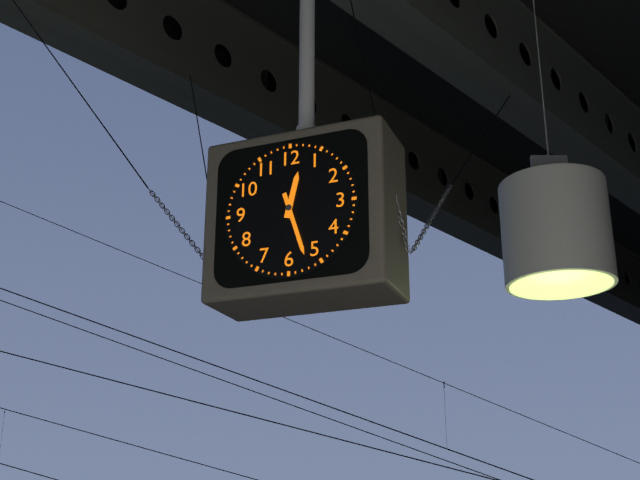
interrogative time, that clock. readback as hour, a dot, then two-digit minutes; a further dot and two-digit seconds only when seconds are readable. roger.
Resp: 12.27
